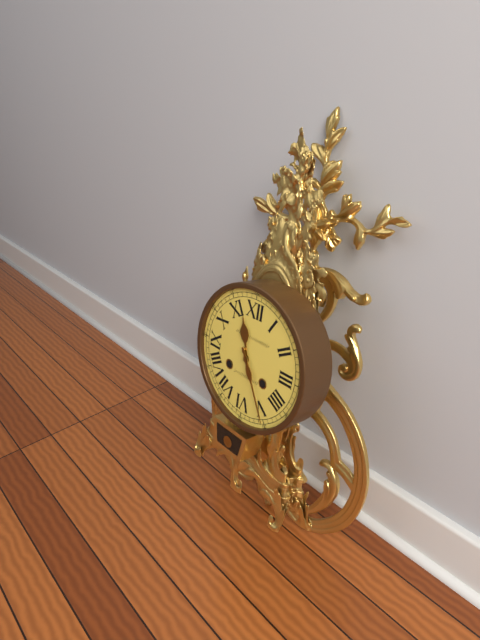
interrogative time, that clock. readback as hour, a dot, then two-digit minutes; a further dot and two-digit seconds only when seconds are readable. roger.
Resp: 11.25
